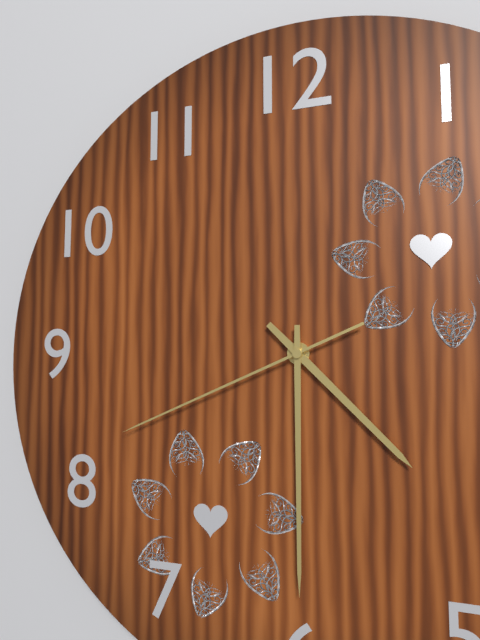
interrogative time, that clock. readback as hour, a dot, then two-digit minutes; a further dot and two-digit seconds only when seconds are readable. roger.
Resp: 4.30.41
